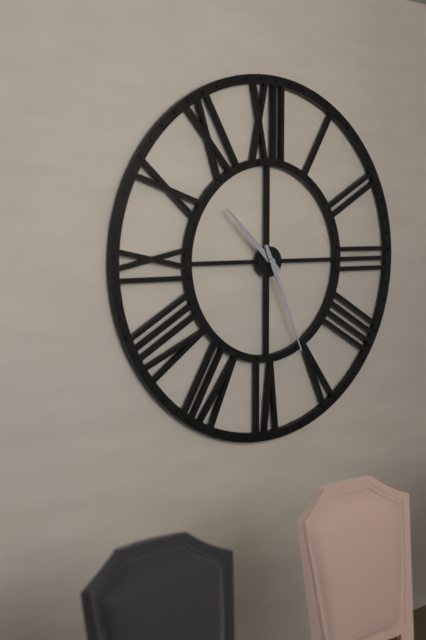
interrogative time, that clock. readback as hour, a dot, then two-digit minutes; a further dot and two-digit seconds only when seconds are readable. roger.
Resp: 10.26
